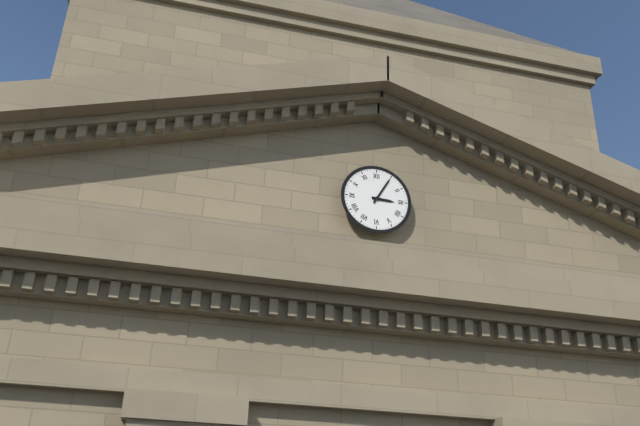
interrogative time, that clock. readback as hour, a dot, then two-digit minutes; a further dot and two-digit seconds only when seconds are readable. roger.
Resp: 3.05
